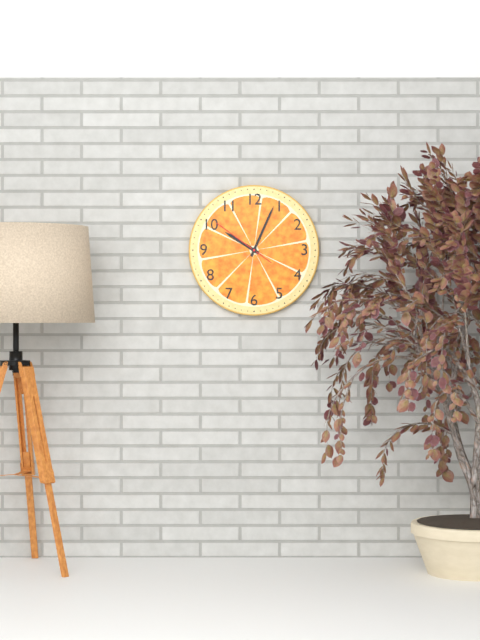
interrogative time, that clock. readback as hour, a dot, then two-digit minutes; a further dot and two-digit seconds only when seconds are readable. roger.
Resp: 10.04.51
